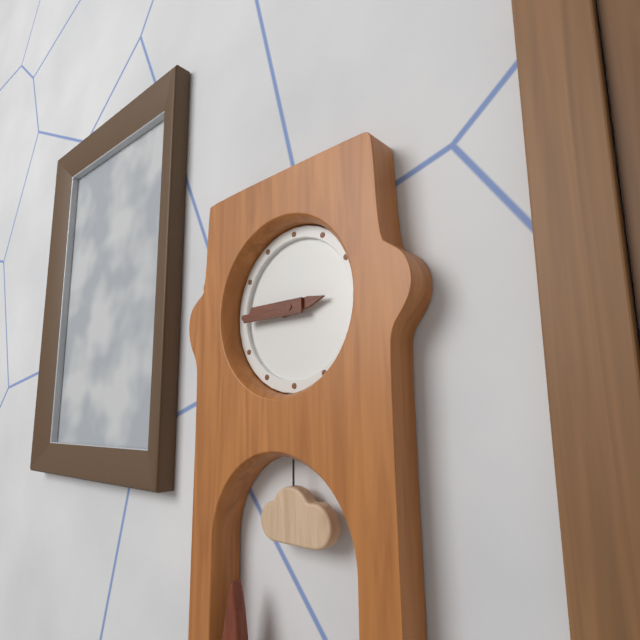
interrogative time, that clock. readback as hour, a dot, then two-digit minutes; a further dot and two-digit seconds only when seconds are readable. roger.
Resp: 2.45
